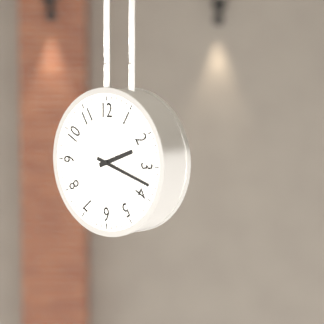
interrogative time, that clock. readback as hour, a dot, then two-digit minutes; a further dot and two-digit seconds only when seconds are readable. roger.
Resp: 2.18
